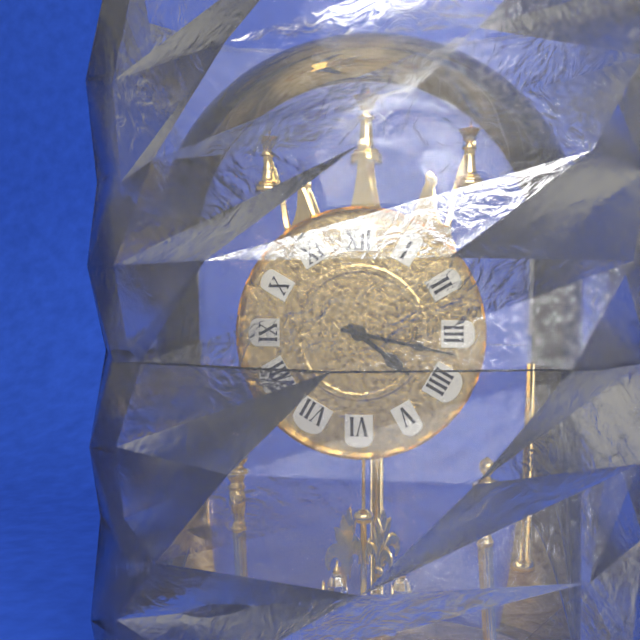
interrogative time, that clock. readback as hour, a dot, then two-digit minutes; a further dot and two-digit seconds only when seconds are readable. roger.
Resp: 4.17
